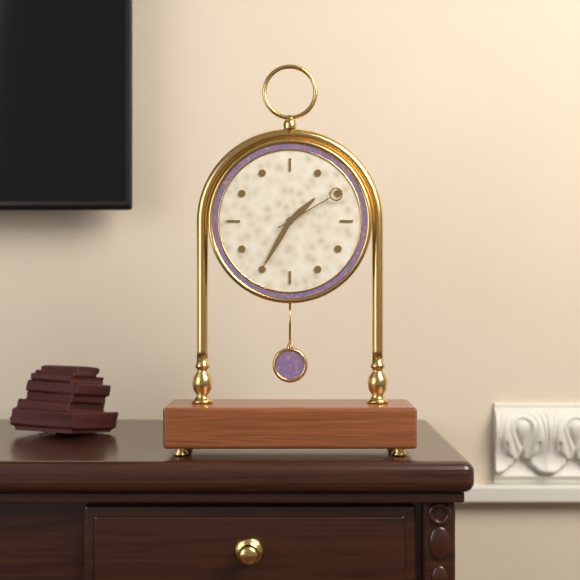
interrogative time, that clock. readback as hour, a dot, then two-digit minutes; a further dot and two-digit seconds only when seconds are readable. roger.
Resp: 1.35.10
